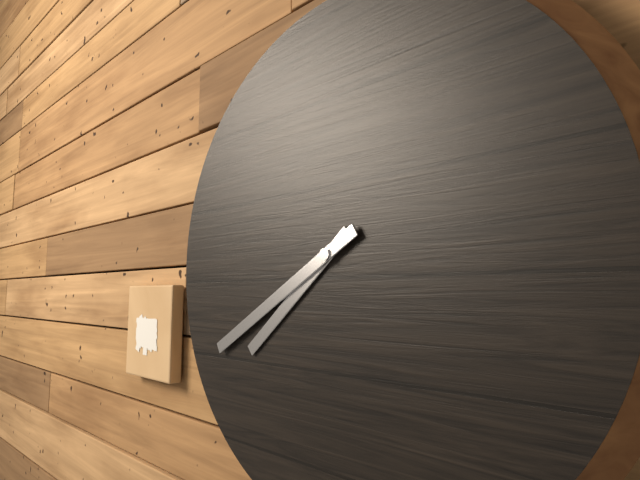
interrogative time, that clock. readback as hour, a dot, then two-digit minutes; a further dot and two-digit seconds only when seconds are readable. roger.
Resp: 7.40
